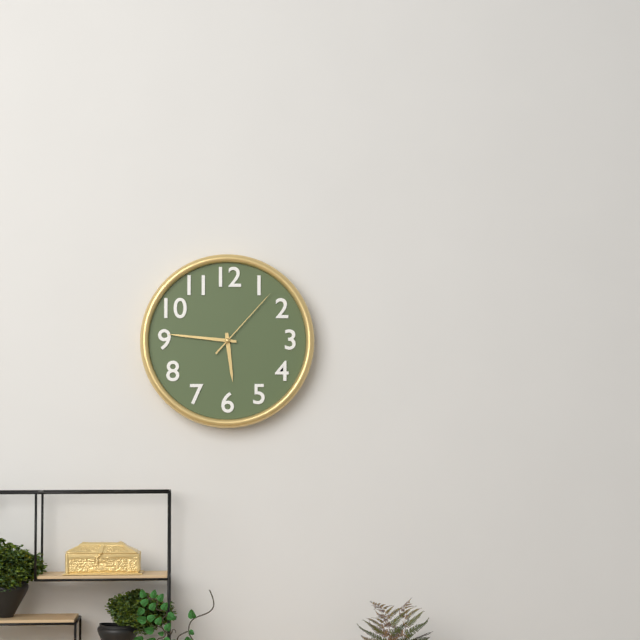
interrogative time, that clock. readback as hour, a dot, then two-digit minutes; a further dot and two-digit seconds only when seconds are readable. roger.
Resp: 5.46.07
